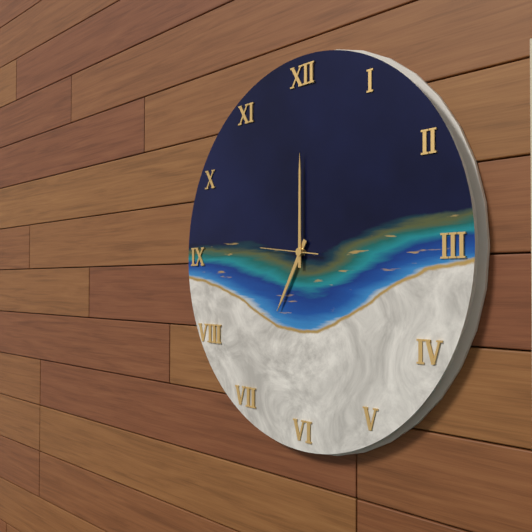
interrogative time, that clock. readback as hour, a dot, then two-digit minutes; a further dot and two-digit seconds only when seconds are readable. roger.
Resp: 7.00.46
